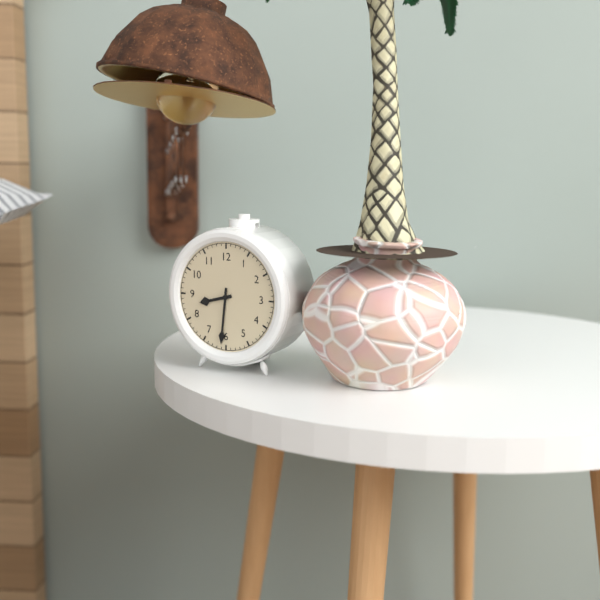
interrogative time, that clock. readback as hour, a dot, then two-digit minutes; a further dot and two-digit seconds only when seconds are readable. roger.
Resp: 8.31
